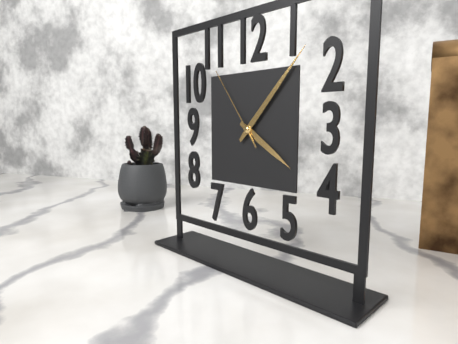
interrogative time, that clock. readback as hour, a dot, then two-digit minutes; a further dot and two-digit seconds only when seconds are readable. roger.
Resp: 4.07.54
